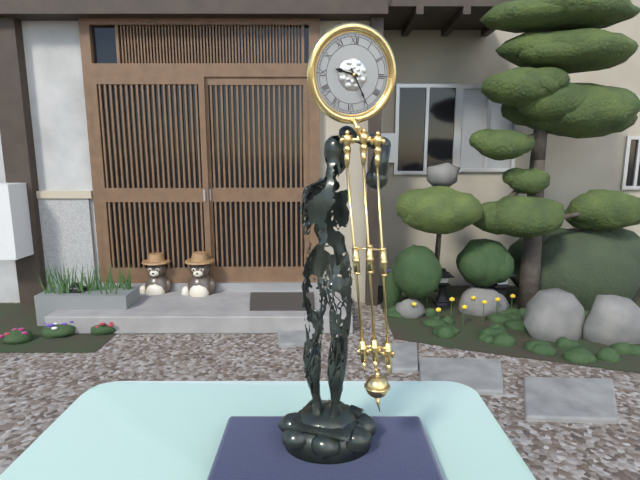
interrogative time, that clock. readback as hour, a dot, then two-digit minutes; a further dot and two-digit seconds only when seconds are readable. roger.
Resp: 9.25
